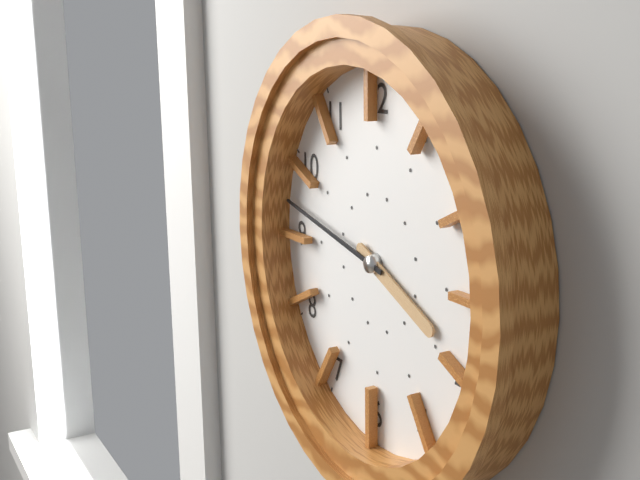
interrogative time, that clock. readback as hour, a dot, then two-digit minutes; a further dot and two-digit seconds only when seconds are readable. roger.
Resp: 3.47
